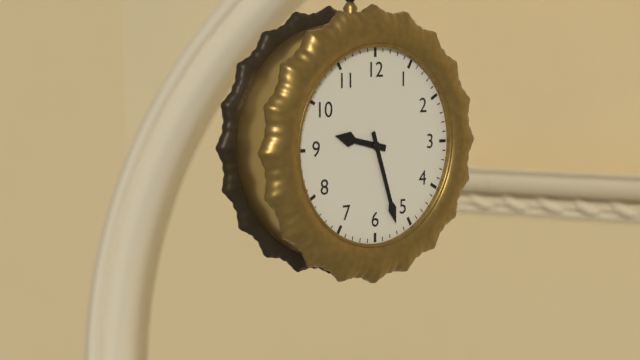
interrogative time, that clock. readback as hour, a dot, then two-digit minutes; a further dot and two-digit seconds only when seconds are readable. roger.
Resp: 9.27
